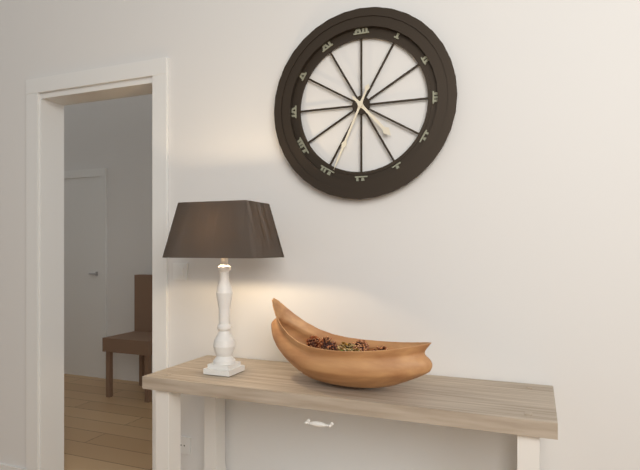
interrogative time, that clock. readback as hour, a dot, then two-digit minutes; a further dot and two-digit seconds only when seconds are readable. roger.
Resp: 4.34
